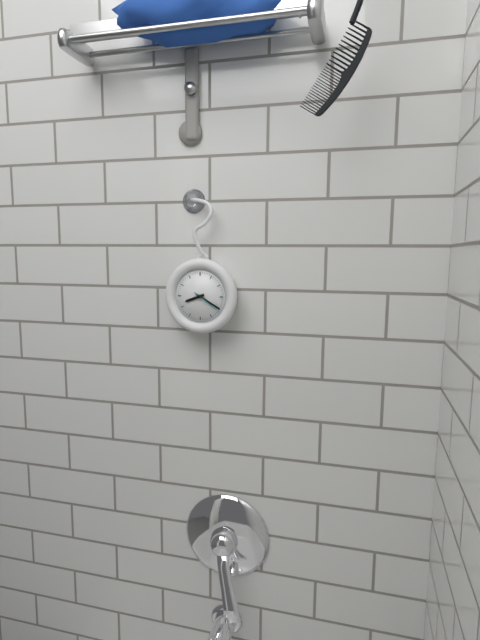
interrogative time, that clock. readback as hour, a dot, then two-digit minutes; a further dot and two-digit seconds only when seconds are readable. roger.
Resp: 8.20
